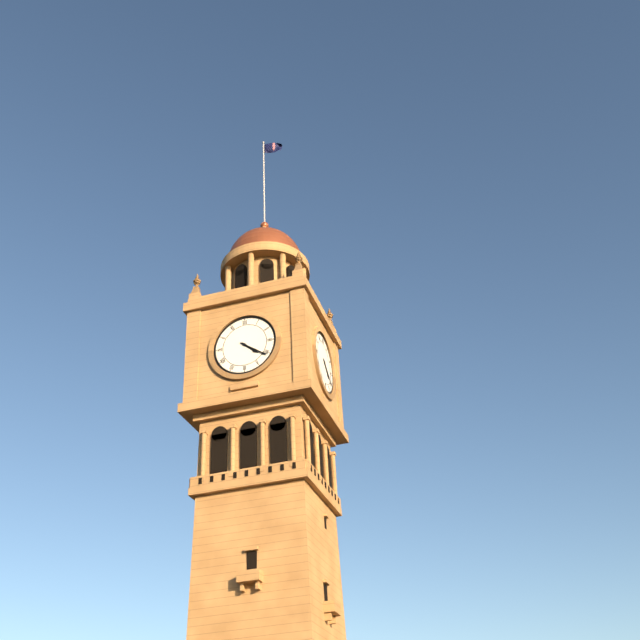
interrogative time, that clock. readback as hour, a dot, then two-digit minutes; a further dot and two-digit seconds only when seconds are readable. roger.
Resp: 4.21
